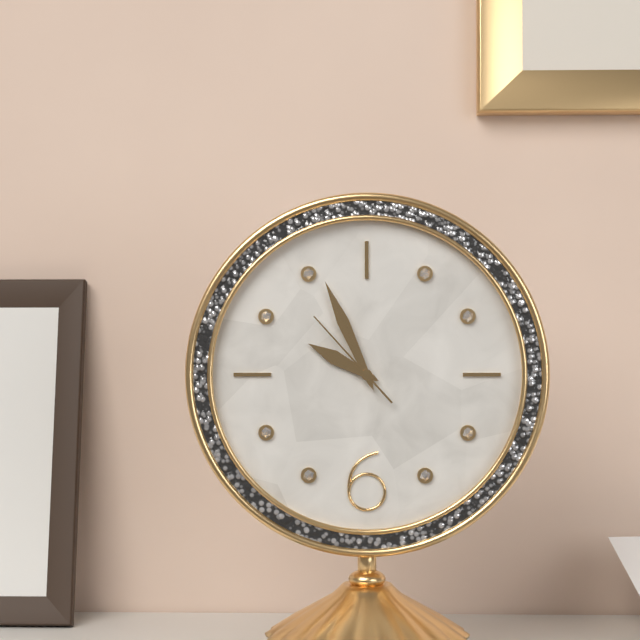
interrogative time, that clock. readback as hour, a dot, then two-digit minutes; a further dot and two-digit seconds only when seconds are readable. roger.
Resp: 9.56.53
